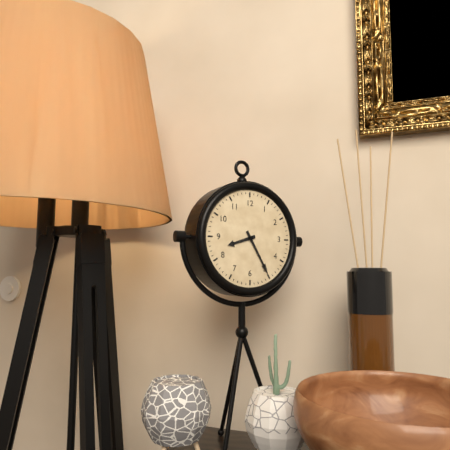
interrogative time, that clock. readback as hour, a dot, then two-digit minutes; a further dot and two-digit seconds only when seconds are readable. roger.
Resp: 8.25
